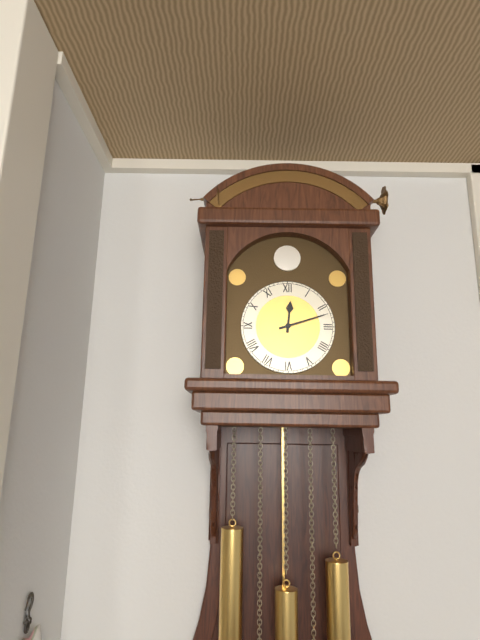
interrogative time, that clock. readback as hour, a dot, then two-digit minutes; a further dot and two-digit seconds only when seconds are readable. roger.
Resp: 12.12
